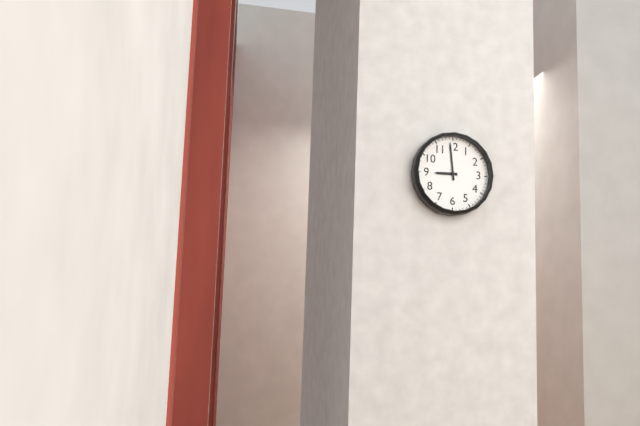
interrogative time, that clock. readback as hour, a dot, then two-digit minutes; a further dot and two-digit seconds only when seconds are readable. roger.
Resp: 8.59
